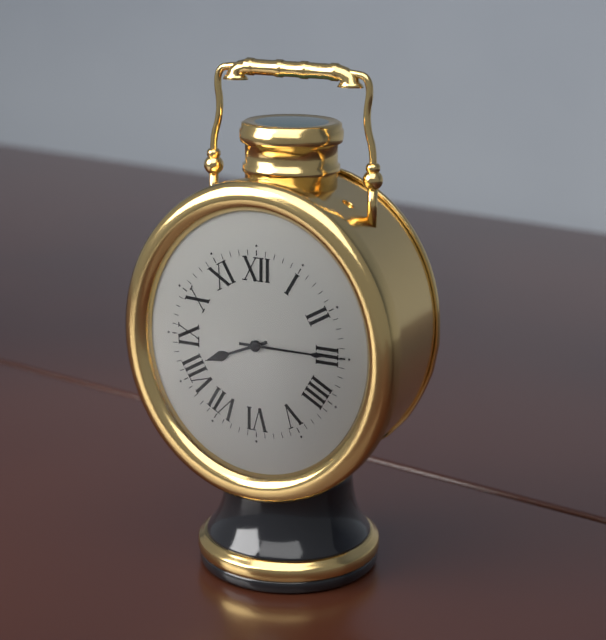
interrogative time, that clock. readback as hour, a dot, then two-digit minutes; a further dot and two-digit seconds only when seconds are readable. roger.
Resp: 8.15
